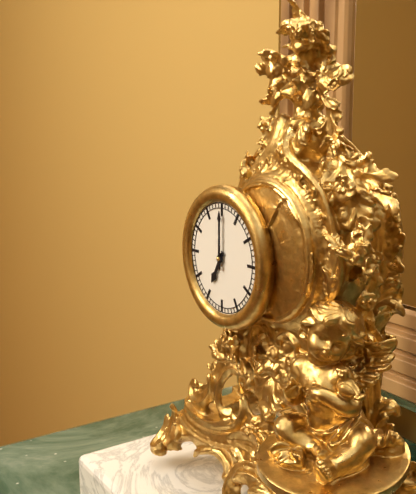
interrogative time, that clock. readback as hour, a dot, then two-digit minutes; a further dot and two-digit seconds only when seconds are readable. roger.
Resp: 7.00
